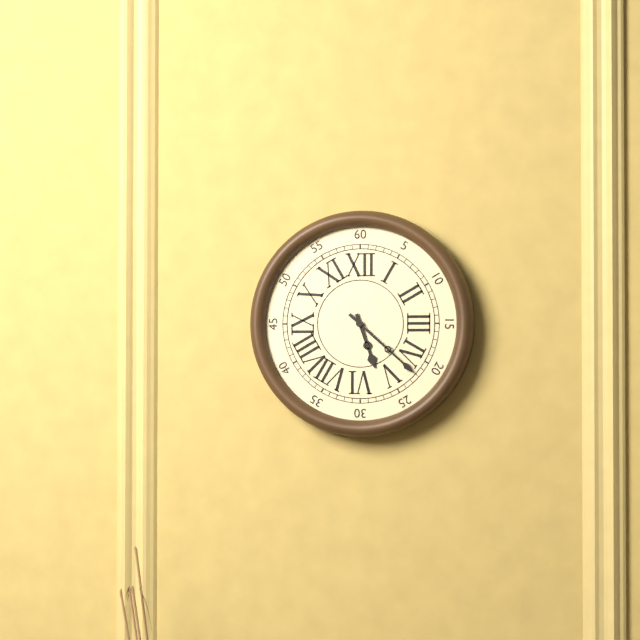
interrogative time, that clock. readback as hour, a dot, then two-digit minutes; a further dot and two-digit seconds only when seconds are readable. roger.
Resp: 5.22
